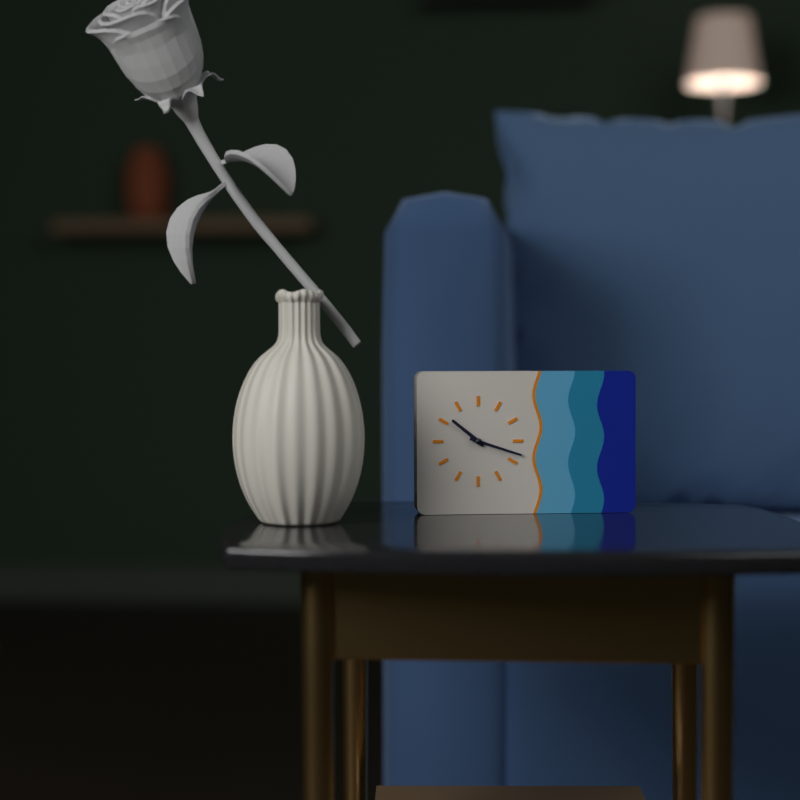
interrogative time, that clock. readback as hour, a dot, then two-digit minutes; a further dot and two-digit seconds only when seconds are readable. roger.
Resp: 10.18
